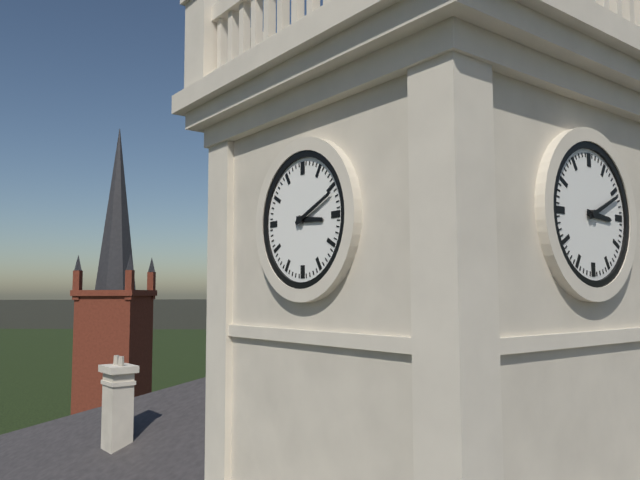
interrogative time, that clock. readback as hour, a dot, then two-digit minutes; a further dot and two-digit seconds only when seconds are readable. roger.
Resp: 3.11
